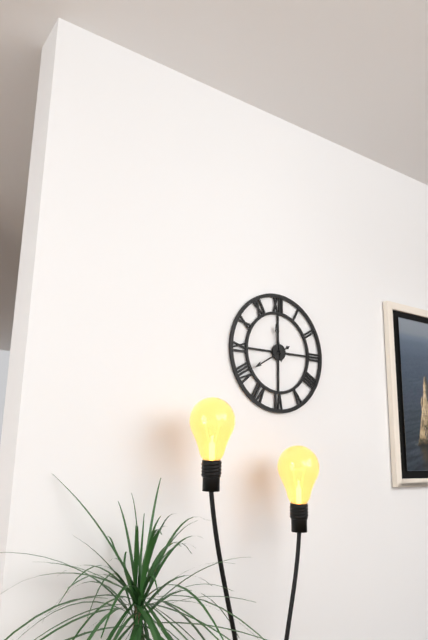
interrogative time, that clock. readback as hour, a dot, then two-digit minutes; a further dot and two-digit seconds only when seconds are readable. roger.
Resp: 11.40
